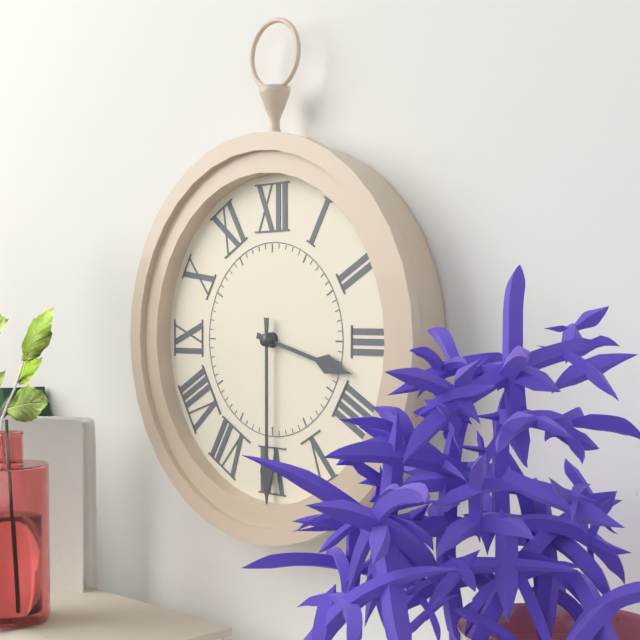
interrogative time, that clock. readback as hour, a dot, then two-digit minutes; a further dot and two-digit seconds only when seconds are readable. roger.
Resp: 3.30
